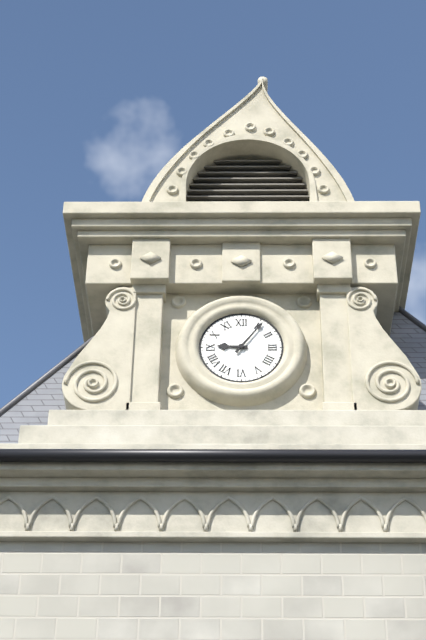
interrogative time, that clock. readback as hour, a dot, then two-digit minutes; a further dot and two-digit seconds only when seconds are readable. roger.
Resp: 9.06
